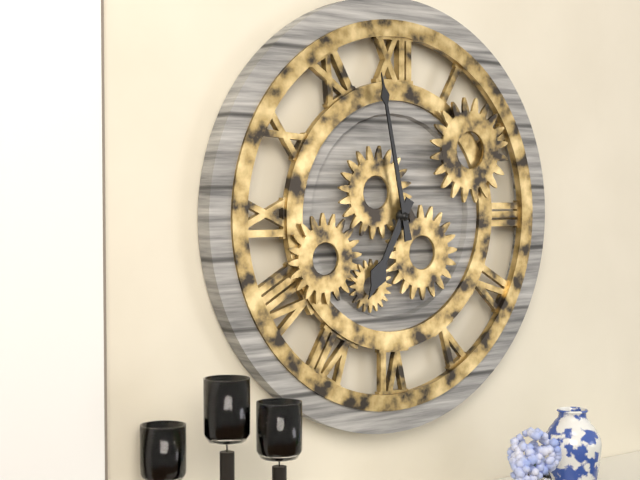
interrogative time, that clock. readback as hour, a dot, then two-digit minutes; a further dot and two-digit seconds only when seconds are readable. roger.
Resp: 6.58
